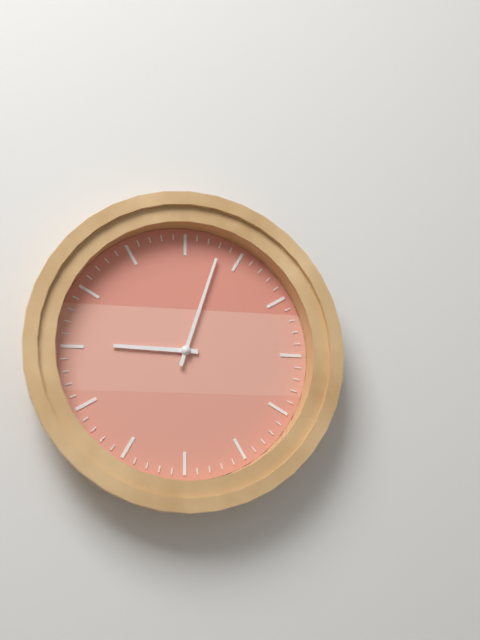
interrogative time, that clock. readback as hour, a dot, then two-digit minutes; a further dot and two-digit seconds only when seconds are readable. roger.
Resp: 9.03
